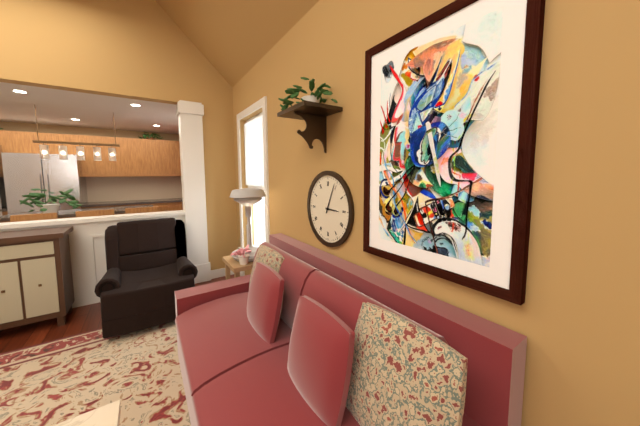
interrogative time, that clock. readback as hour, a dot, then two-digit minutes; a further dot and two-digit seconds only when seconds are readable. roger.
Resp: 3.04
